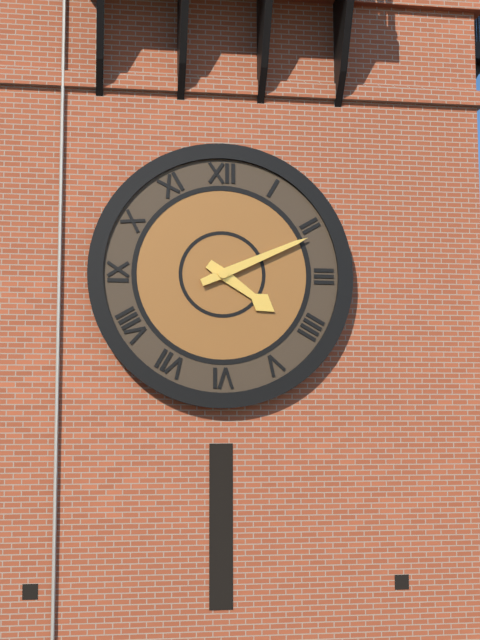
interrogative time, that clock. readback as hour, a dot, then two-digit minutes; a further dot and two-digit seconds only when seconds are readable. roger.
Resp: 4.11
